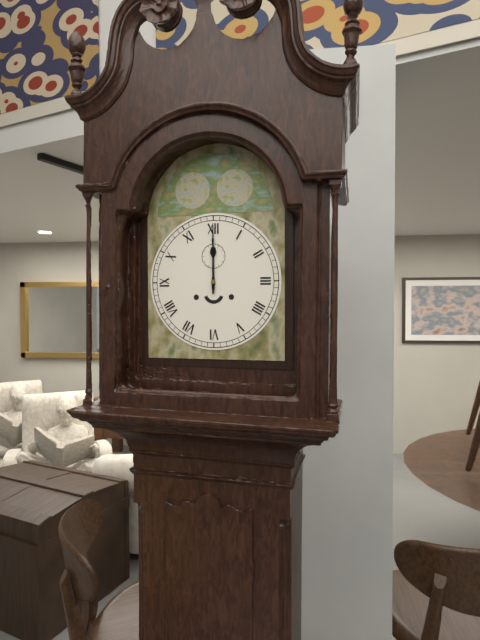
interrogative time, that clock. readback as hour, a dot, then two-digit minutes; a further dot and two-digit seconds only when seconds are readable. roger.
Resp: 12.00
